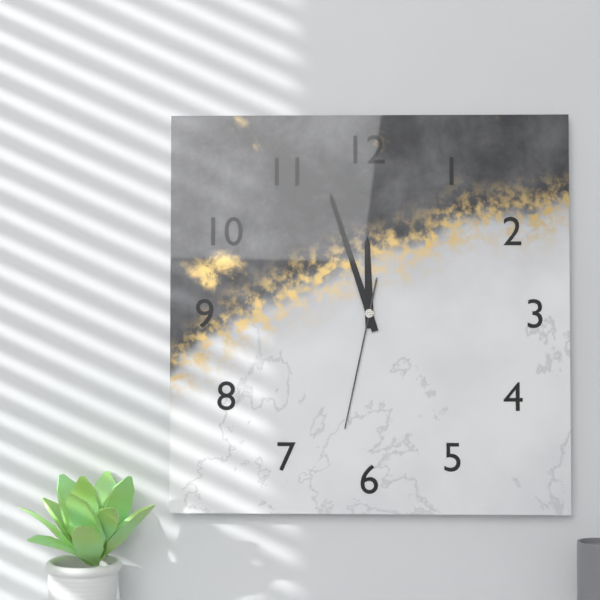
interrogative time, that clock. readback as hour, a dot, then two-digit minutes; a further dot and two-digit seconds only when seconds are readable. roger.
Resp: 11.57.32
